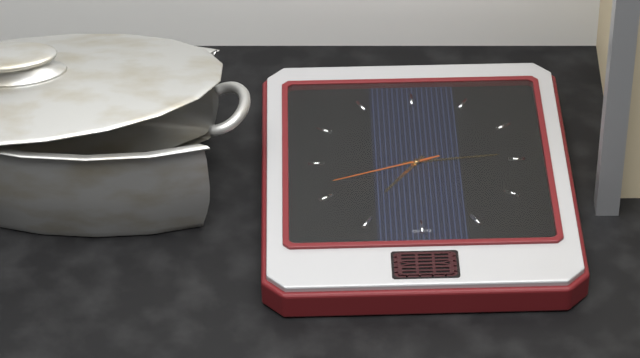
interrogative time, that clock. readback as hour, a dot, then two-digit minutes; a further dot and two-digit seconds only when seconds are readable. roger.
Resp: 7.14.42
